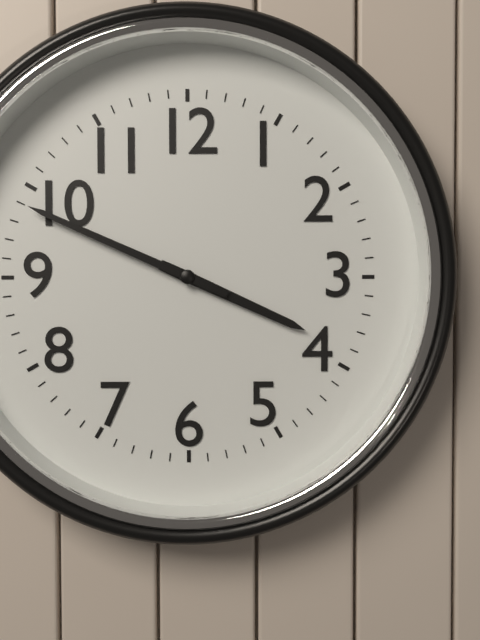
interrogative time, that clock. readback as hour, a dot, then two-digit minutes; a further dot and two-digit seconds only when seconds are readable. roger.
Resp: 3.49
